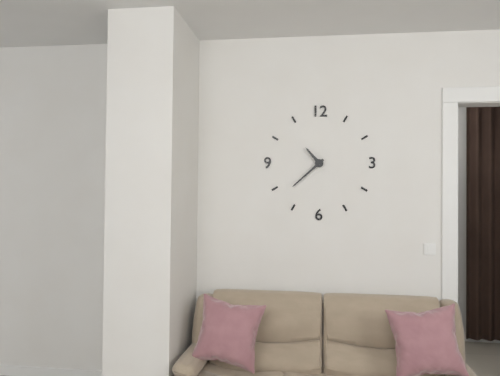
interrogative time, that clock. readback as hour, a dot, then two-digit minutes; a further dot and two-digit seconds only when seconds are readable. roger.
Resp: 10.38
